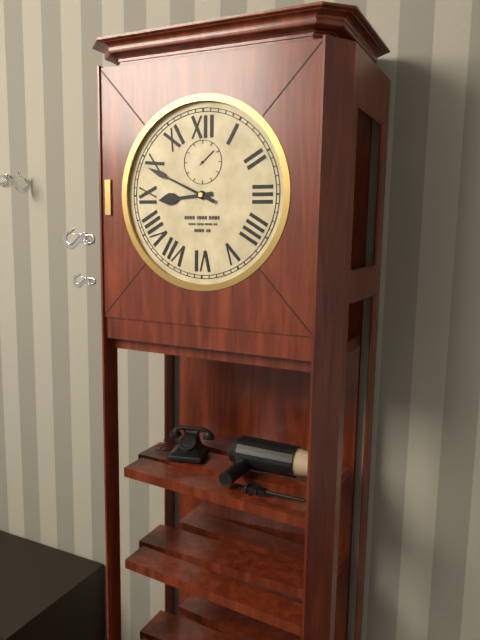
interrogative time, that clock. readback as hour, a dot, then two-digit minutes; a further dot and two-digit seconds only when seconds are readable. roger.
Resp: 8.49
